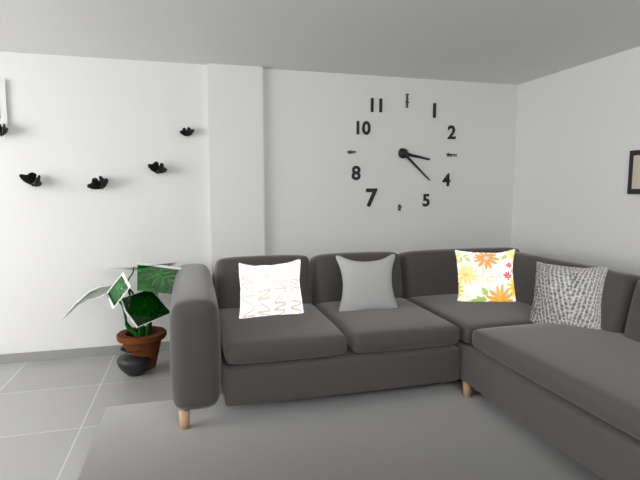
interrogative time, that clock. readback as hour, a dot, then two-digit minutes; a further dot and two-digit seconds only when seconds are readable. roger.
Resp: 3.22
